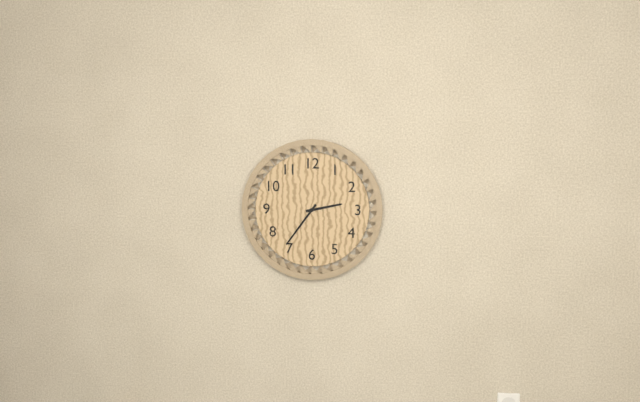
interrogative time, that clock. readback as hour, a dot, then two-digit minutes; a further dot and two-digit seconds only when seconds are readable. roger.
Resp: 2.36
